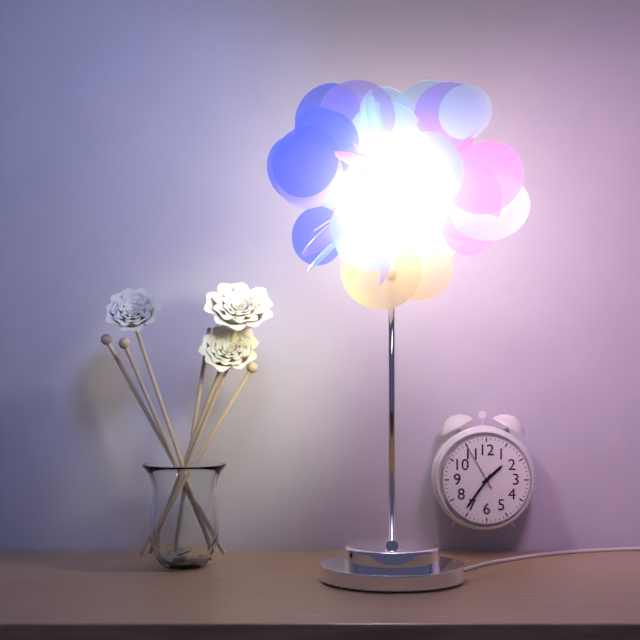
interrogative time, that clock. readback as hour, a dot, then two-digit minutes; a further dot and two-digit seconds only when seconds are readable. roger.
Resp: 1.36
